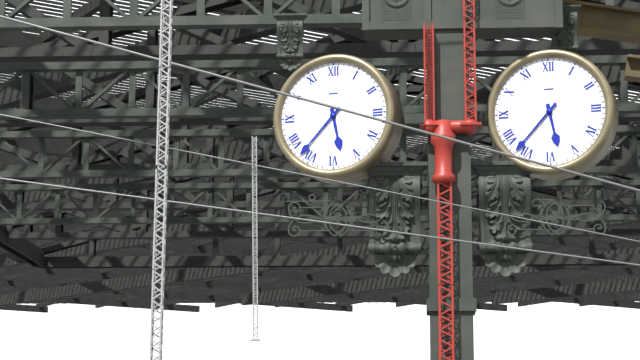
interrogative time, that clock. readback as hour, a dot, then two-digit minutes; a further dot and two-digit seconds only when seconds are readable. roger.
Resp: 5.37
